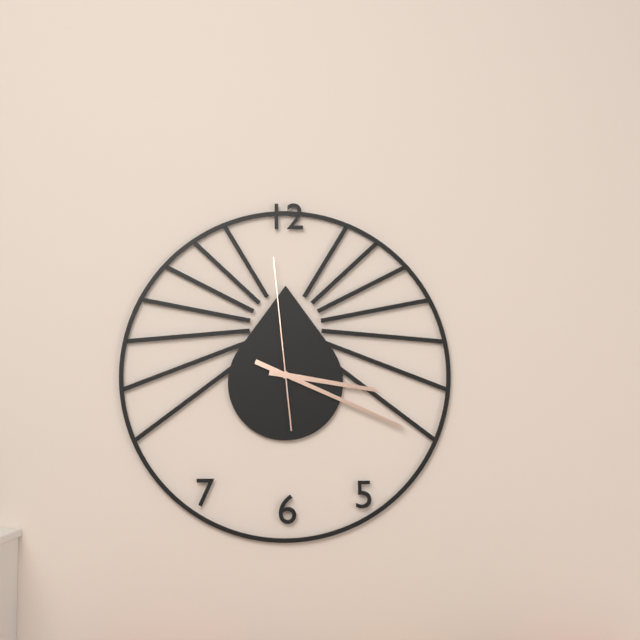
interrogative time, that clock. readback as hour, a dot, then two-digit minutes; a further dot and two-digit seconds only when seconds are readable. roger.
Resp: 3.19.59
